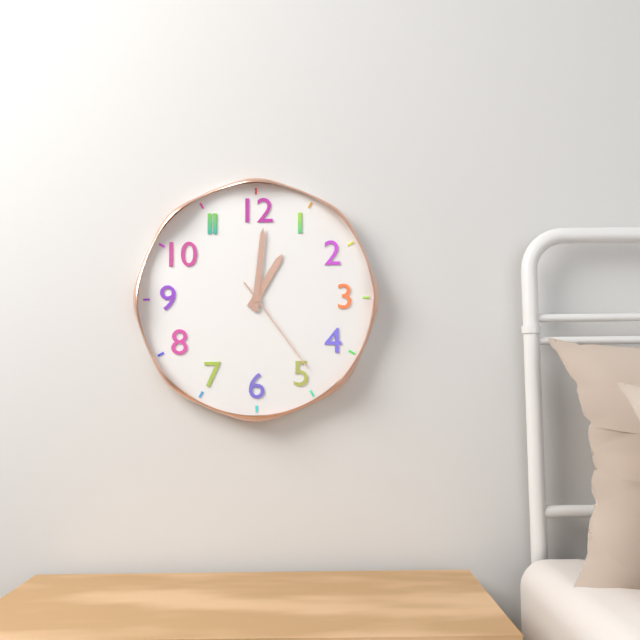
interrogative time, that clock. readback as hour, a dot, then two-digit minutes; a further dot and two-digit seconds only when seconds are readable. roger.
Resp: 1.01.24
